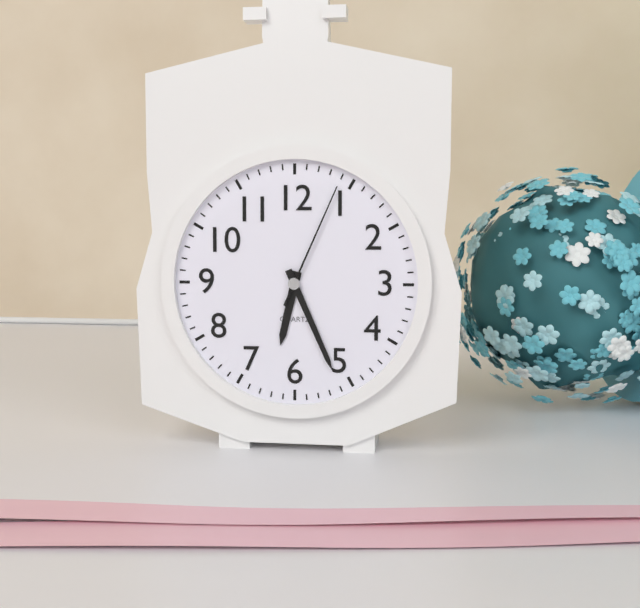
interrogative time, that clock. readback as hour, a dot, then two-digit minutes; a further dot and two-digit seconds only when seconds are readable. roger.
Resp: 6.26.04
